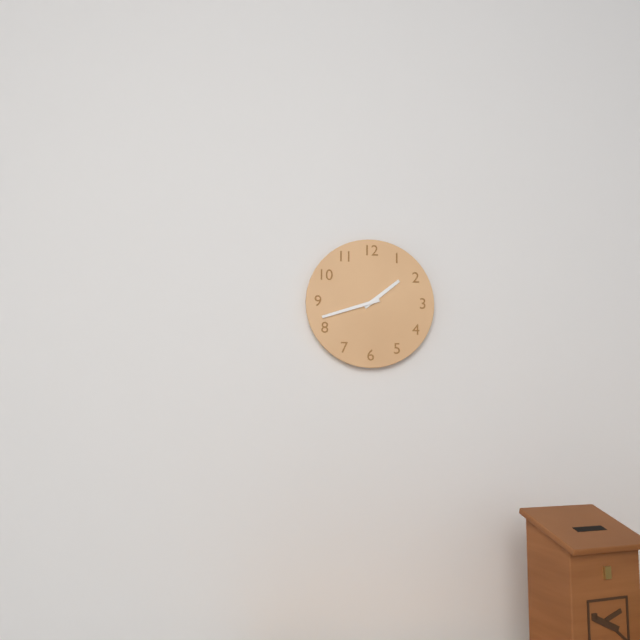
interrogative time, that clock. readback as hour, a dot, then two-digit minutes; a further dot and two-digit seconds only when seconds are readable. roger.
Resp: 1.42
